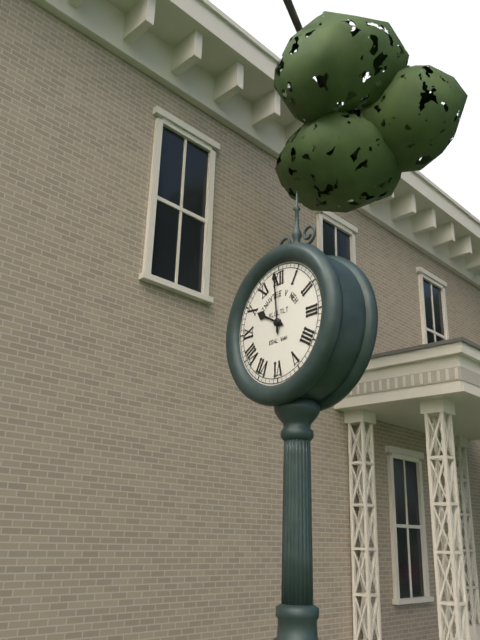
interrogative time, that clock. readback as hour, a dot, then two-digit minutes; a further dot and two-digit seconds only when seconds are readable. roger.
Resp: 9.59
